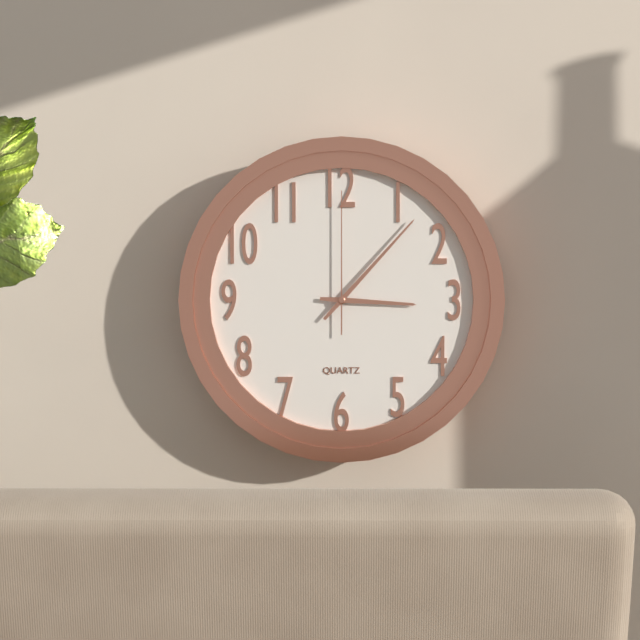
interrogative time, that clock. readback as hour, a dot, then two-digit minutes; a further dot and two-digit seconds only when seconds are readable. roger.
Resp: 3.07.00
